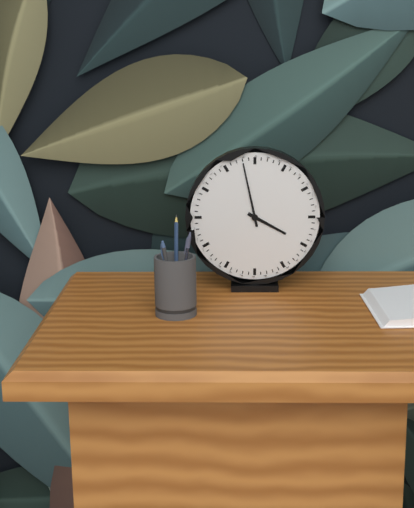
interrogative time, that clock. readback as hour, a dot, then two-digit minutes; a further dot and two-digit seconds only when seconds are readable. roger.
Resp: 3.58
